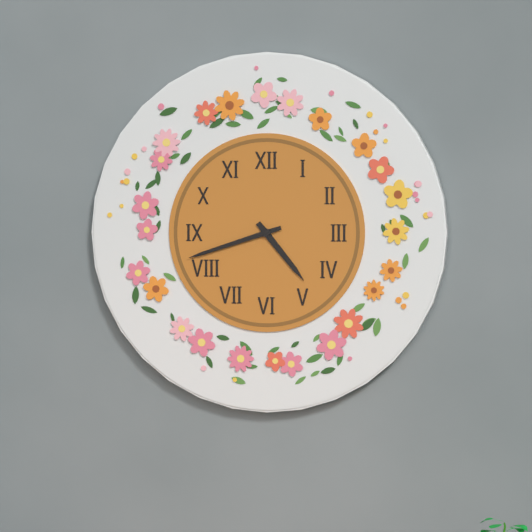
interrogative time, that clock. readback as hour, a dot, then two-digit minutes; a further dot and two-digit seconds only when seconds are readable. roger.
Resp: 4.42
